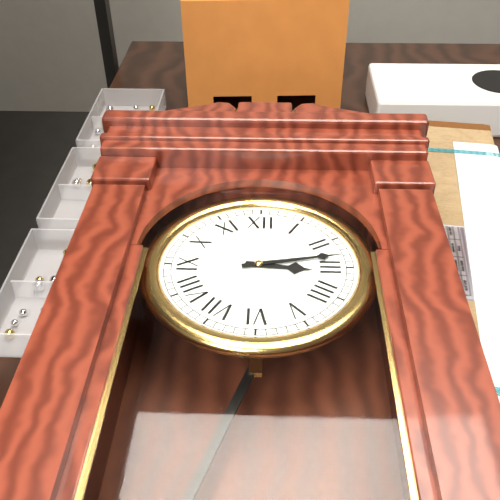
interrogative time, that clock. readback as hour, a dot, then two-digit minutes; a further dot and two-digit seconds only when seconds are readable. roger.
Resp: 3.13
